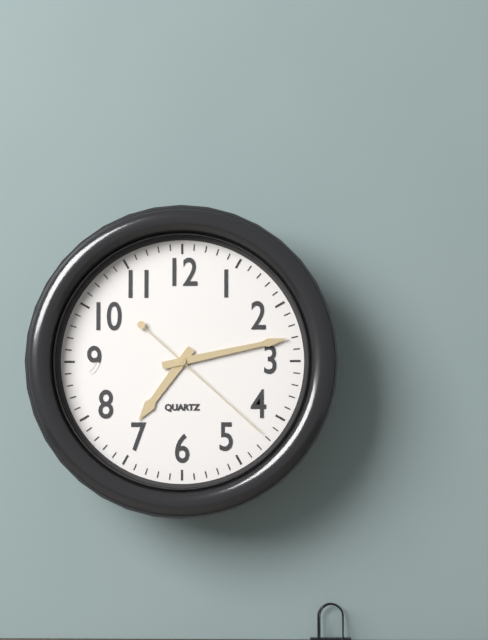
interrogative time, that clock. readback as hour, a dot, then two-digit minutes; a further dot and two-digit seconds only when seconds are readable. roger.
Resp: 7.13.22
